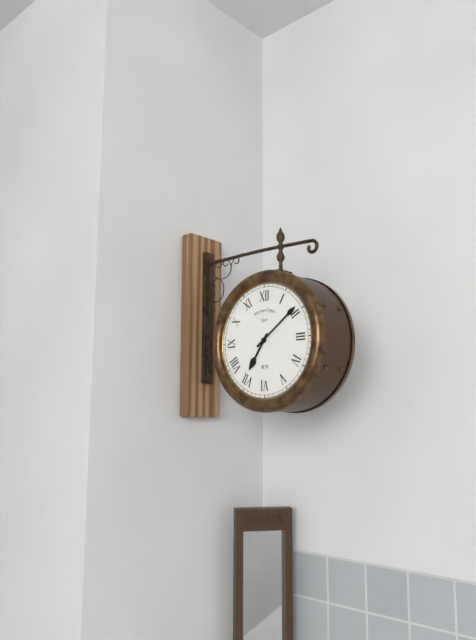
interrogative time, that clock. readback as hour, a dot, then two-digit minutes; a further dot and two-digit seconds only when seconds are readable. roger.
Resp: 7.09
